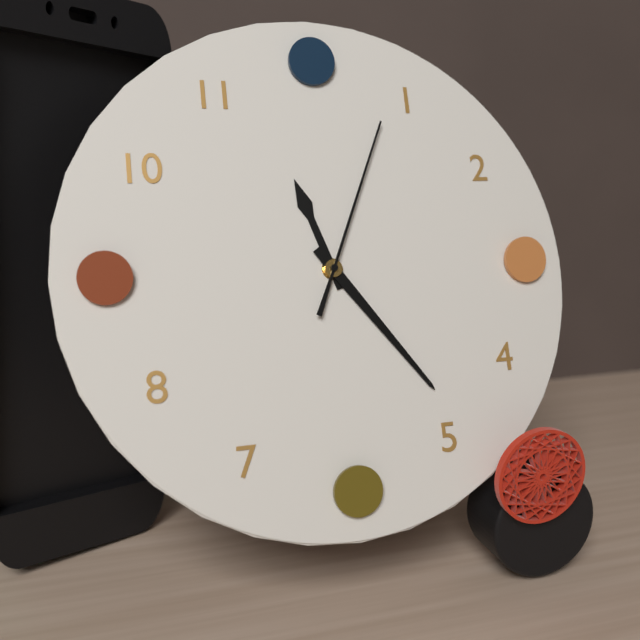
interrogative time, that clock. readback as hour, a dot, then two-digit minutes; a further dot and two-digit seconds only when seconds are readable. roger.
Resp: 11.24.04
